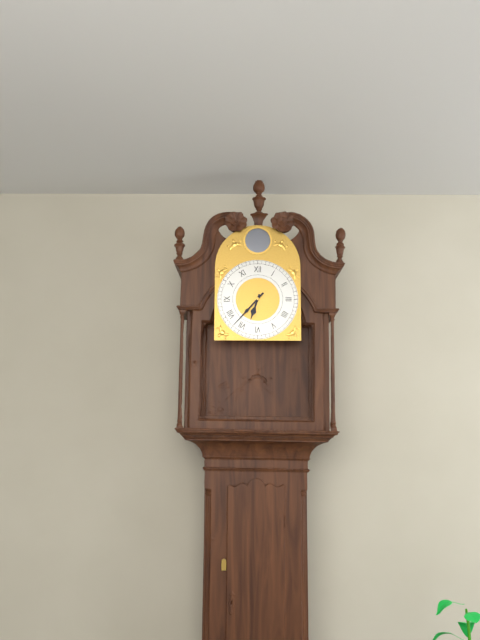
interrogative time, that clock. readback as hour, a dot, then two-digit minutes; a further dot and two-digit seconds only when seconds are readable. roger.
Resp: 6.37
